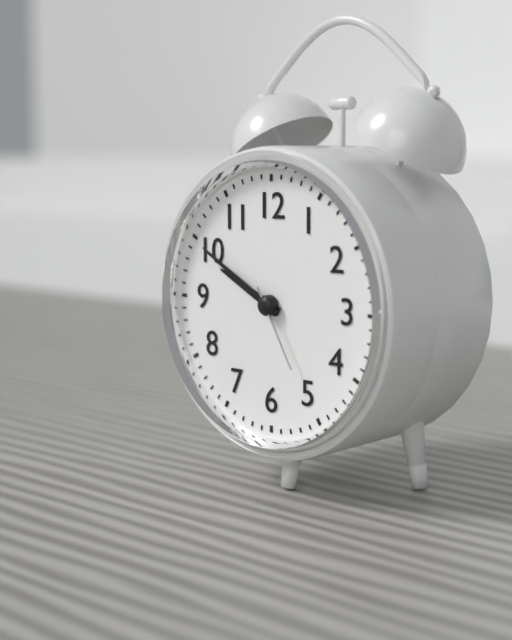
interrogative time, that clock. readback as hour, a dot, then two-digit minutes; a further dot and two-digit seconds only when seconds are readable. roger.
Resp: 9.50.25
